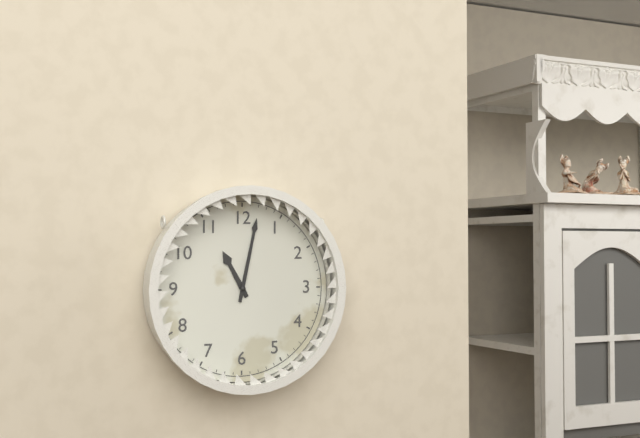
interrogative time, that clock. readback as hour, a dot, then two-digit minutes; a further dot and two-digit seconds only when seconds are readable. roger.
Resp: 11.02
